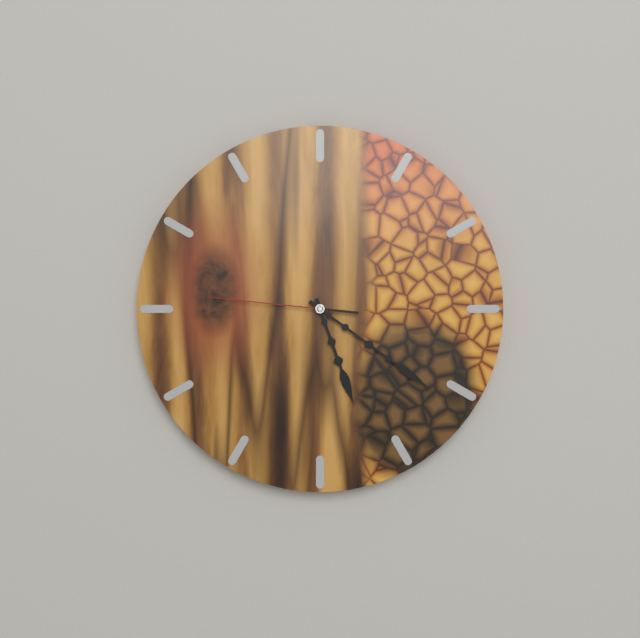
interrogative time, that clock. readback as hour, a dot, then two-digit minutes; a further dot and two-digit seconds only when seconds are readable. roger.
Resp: 5.21.46
